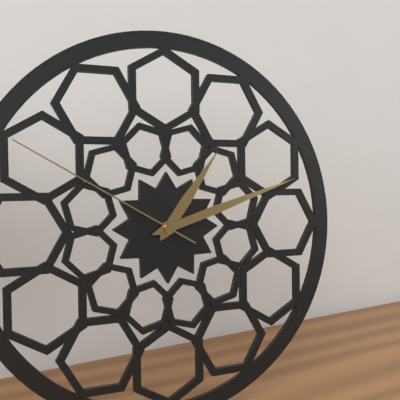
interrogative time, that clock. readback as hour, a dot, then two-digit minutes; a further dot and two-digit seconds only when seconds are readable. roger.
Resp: 1.12.50
